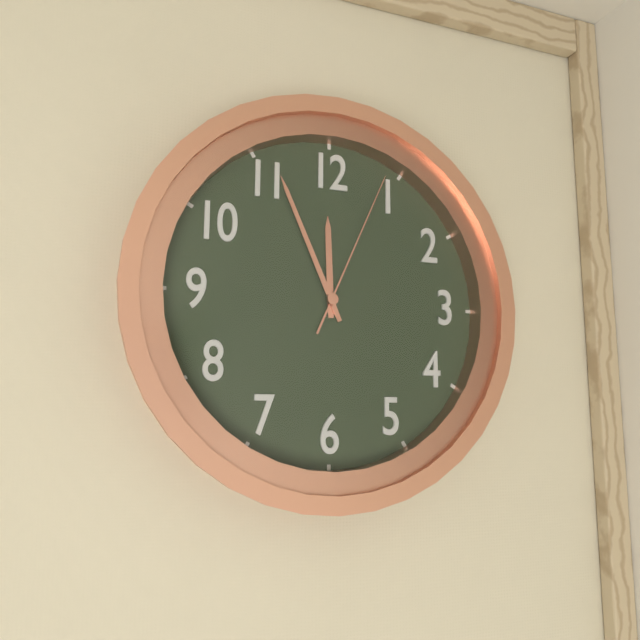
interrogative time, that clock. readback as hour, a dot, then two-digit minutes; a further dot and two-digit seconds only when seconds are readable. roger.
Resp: 11.56.04
